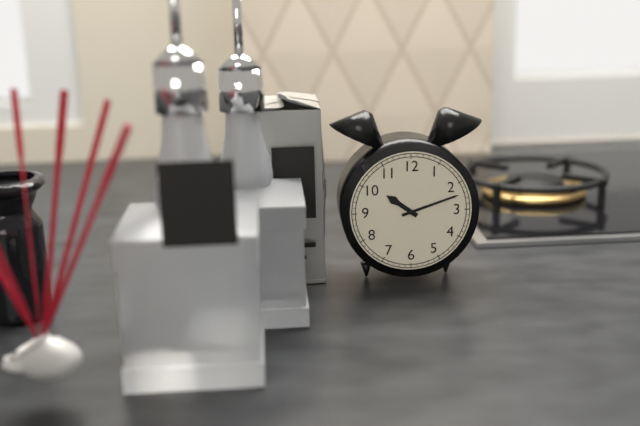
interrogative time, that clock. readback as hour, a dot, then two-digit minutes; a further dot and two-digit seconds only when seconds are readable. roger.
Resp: 10.12
